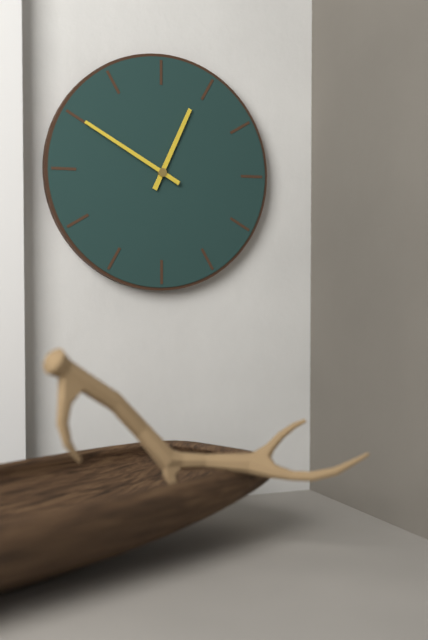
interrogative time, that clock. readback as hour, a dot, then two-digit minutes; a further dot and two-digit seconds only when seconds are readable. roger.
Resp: 12.50
